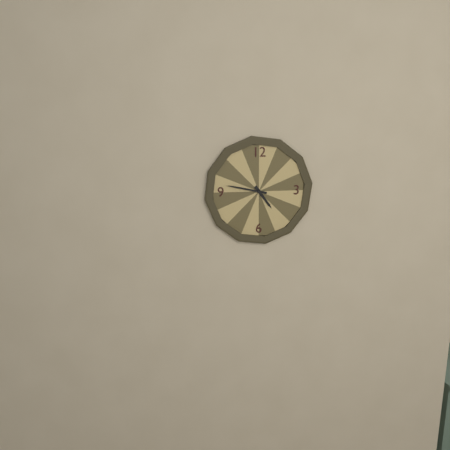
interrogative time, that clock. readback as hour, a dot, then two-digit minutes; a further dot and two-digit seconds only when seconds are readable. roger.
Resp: 4.47
